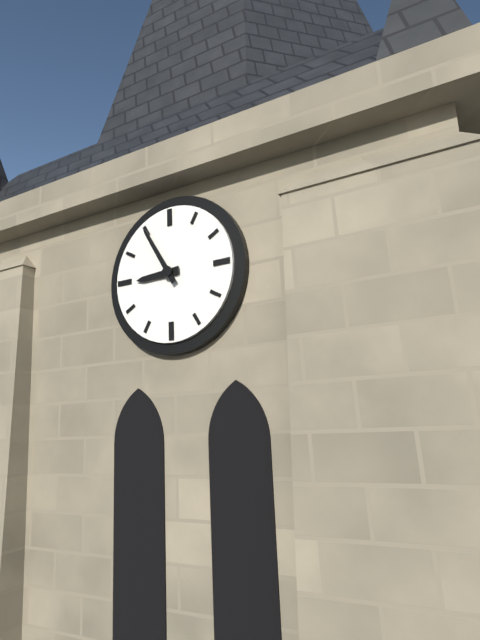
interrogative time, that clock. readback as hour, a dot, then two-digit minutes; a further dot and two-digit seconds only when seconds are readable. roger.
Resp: 8.55
